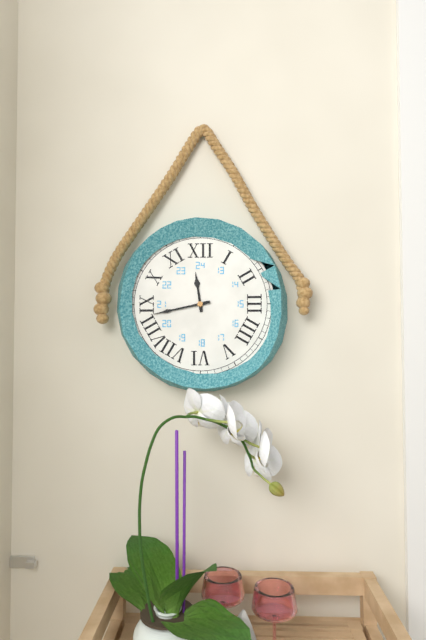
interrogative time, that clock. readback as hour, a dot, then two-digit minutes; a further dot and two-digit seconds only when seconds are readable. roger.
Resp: 11.43
